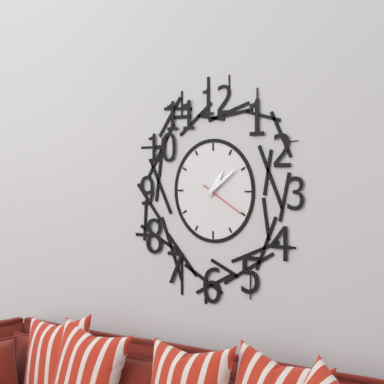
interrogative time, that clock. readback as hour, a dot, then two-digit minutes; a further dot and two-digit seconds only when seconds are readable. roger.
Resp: 1.09
